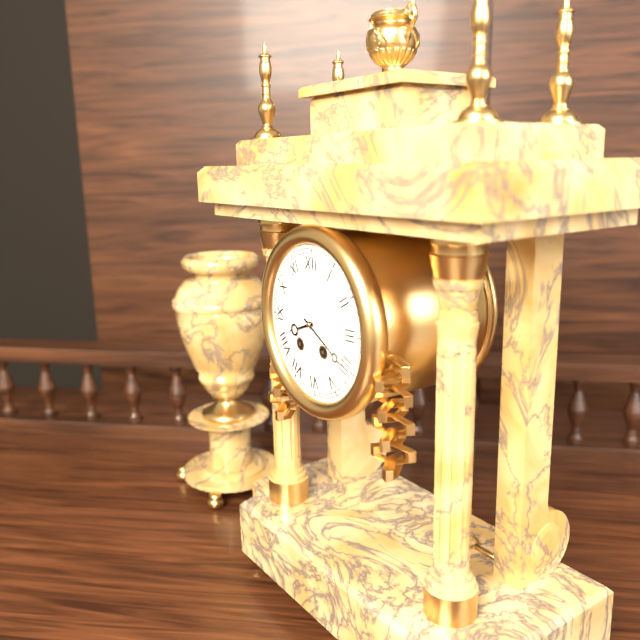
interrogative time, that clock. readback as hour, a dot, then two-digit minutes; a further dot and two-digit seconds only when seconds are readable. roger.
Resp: 8.20
